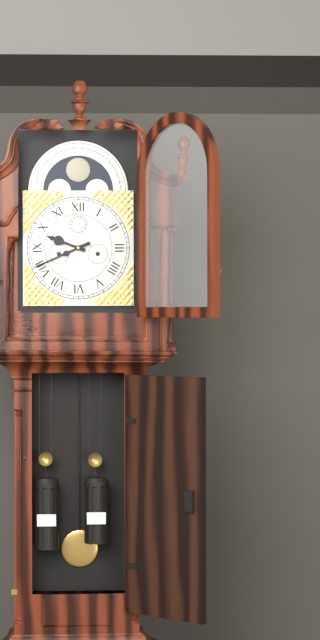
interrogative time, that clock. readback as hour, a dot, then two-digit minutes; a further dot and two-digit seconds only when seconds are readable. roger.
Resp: 9.41
